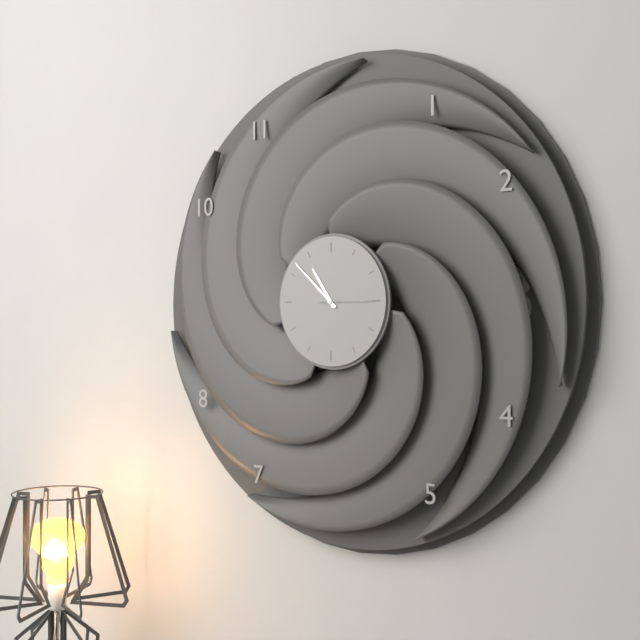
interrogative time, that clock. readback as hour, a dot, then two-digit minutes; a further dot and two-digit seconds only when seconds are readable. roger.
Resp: 10.52.15
